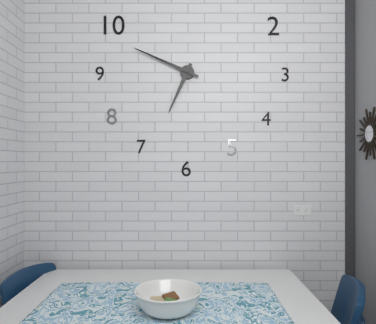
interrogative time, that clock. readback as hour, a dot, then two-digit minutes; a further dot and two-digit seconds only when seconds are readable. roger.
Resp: 6.49
